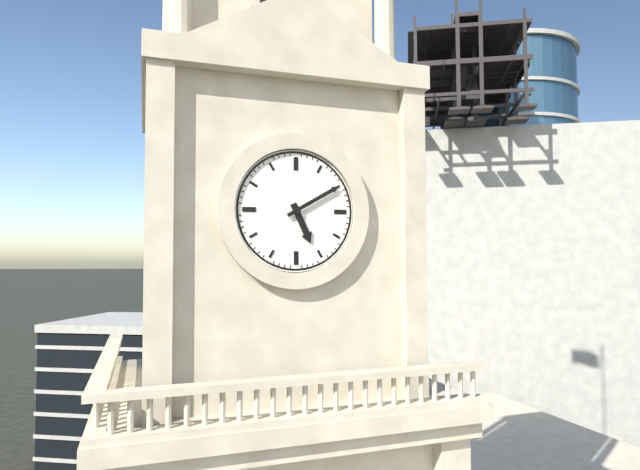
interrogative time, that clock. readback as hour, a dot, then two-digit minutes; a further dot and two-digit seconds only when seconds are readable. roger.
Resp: 5.10
